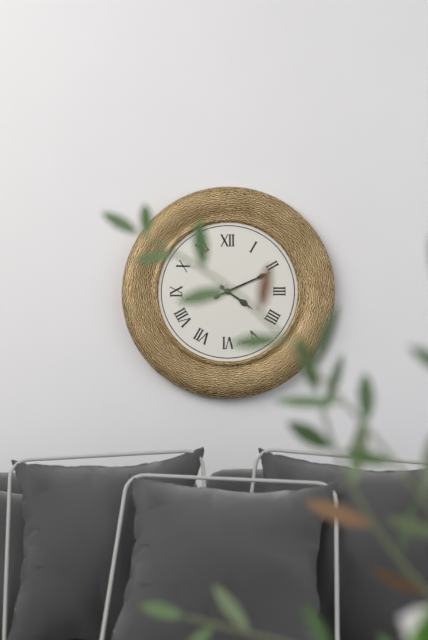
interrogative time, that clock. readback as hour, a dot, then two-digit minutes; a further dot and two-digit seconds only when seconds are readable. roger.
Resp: 4.11
